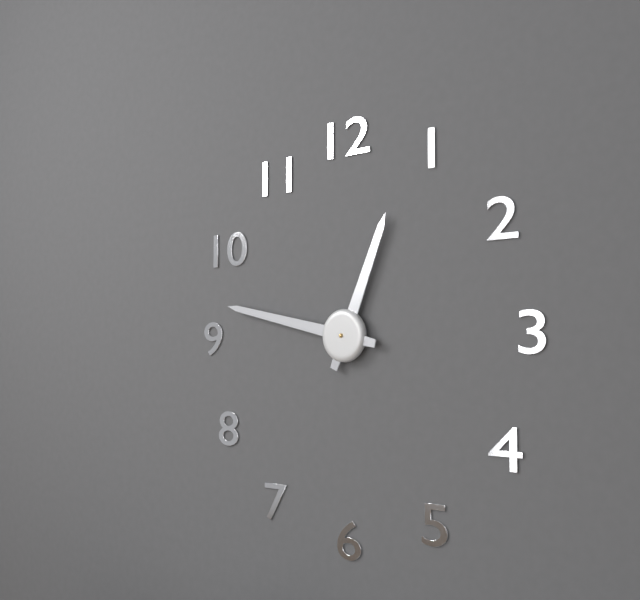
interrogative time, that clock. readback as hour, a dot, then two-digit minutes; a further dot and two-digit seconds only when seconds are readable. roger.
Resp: 12.47
